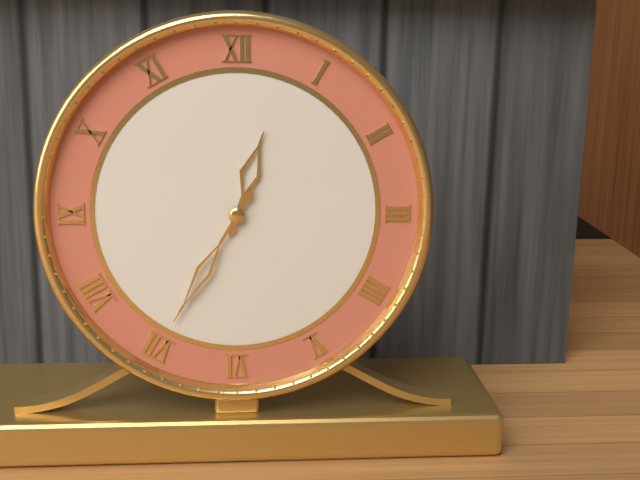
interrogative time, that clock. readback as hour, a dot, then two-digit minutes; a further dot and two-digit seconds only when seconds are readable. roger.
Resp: 12.35
